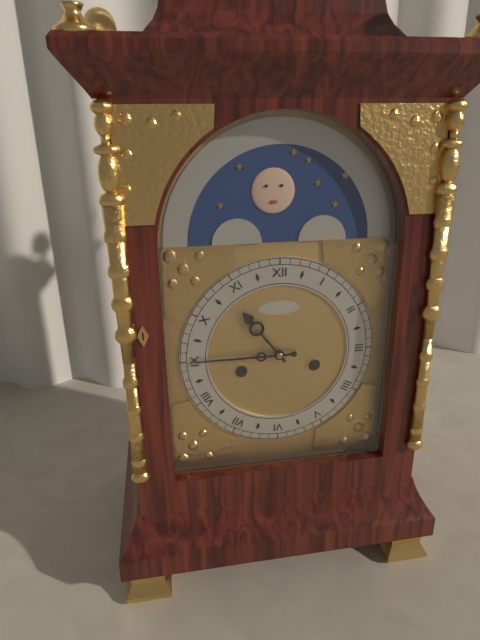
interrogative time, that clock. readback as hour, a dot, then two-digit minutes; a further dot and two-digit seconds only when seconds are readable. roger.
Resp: 10.45
